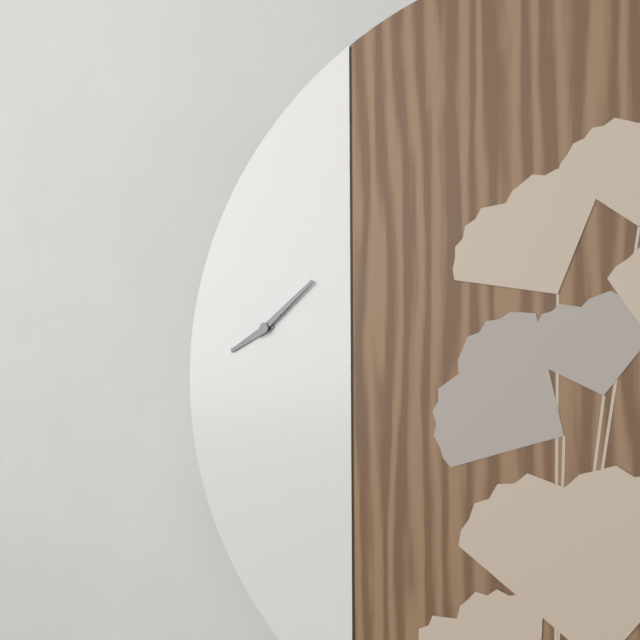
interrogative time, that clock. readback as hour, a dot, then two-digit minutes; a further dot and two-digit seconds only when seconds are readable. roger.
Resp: 8.09
